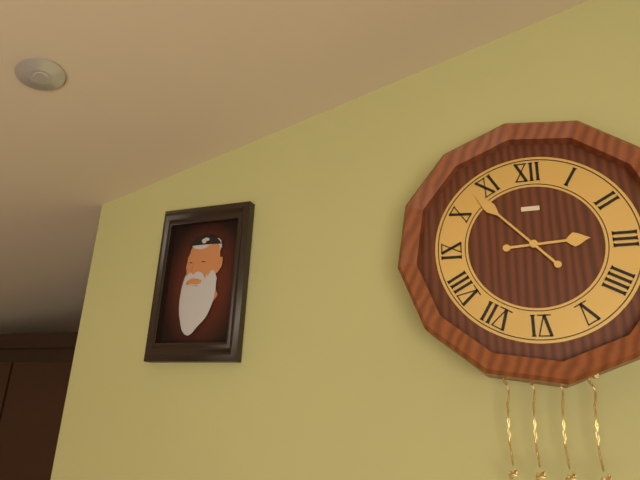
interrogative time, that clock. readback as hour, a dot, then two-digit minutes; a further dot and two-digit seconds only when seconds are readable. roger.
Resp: 2.53
